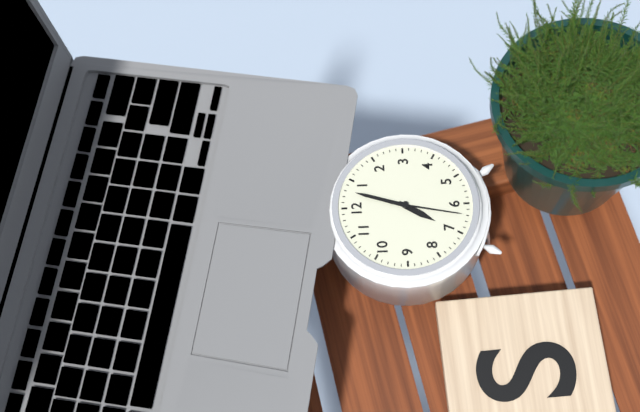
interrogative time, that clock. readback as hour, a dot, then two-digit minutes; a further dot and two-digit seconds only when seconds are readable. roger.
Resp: 7.03.32
